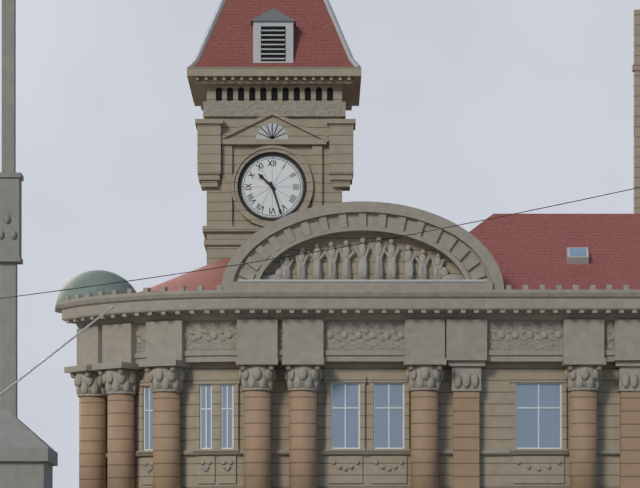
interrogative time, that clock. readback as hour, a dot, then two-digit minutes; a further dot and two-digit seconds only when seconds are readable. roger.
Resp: 10.27
